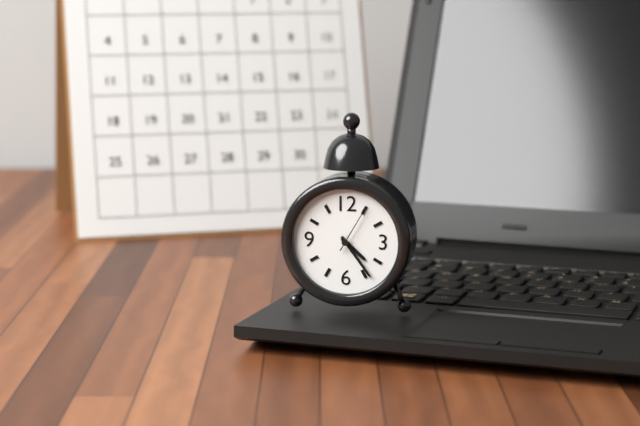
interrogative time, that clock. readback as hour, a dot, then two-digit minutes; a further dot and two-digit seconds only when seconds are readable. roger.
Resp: 4.24.05
